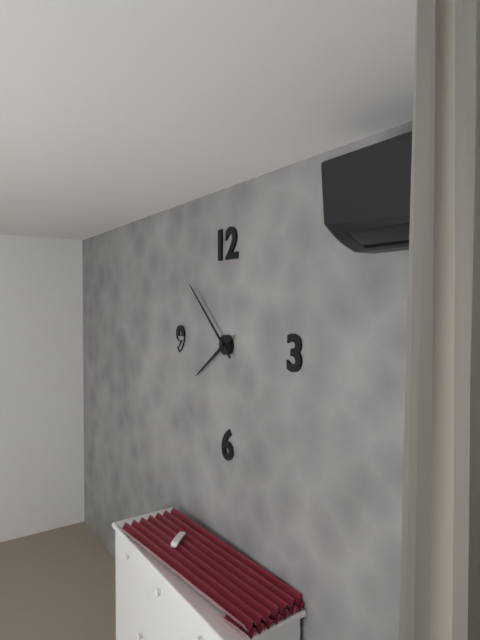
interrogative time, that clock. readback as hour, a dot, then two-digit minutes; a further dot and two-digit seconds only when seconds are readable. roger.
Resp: 7.52
